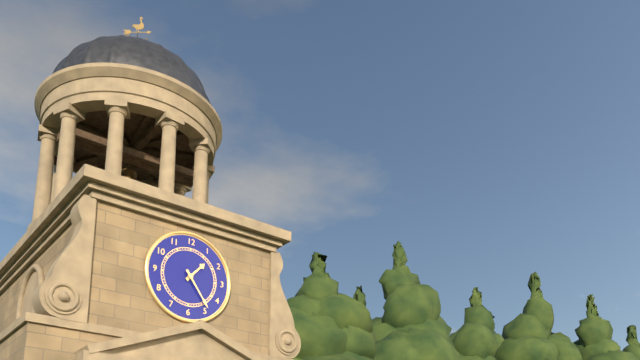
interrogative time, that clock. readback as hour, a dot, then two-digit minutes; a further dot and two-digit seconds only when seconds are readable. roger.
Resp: 1.24
